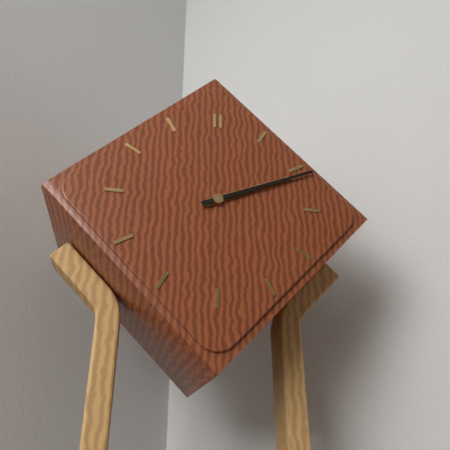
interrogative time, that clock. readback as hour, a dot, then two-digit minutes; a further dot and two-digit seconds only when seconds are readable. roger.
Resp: 2.11
